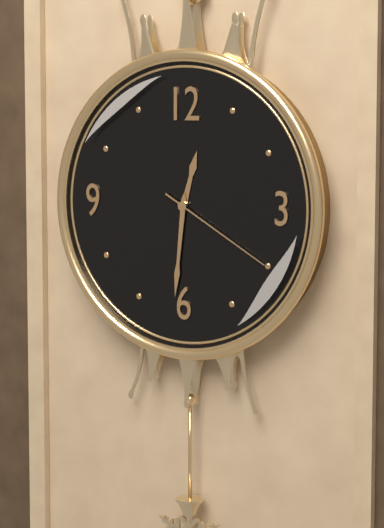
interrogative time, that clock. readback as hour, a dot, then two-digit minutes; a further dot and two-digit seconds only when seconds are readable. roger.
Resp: 12.31.20
